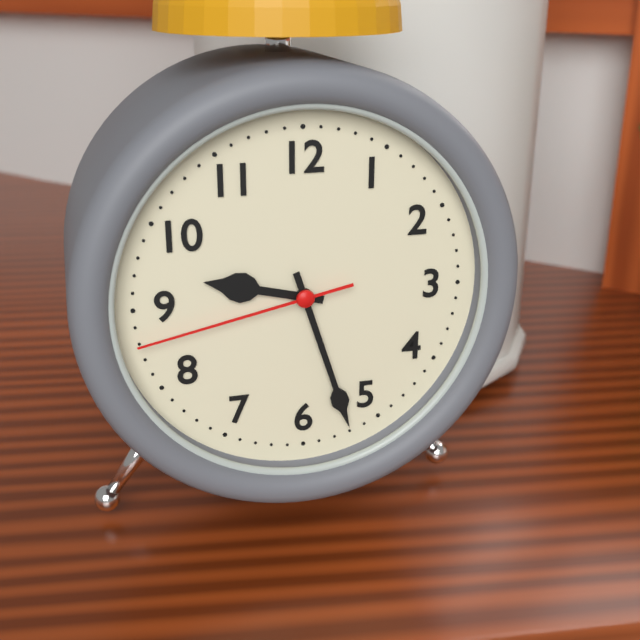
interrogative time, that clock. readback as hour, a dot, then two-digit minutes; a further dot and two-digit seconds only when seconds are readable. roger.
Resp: 9.27.43
